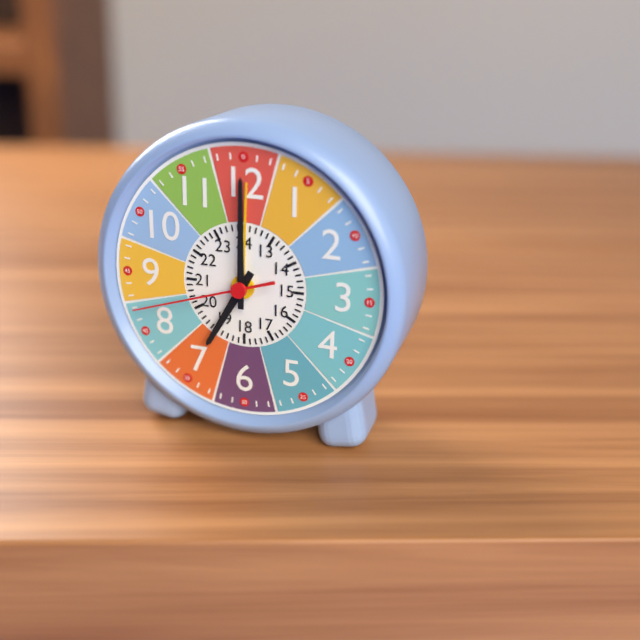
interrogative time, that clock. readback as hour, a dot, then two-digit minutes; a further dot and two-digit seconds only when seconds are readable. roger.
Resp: 7.00.42
